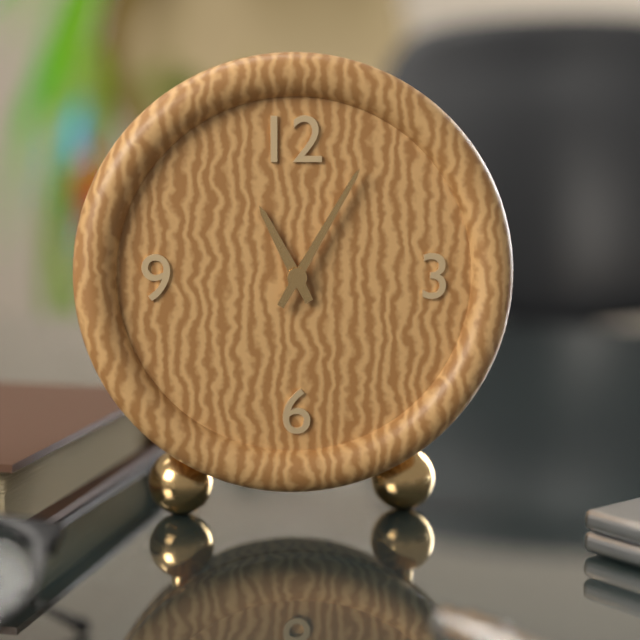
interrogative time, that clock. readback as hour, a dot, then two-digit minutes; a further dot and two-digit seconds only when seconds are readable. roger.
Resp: 11.05
